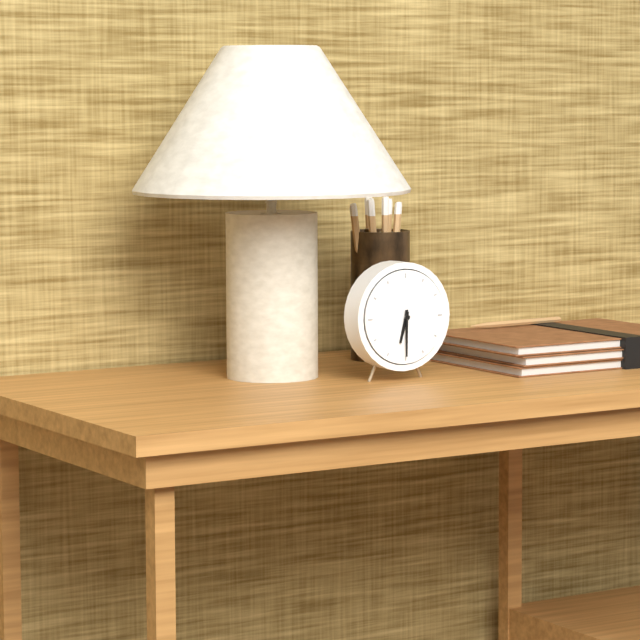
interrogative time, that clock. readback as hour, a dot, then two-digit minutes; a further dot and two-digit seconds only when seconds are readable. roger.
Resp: 6.30
